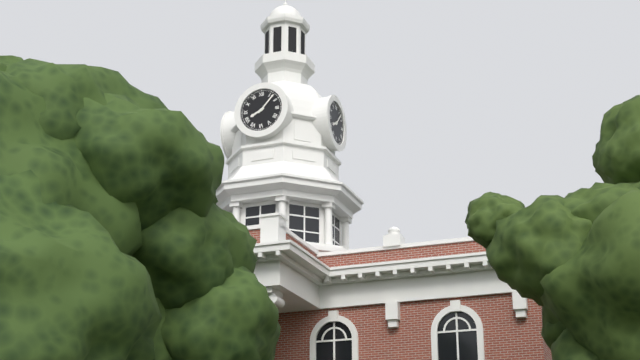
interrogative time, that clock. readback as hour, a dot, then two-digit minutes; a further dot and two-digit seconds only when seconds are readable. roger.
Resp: 8.07
